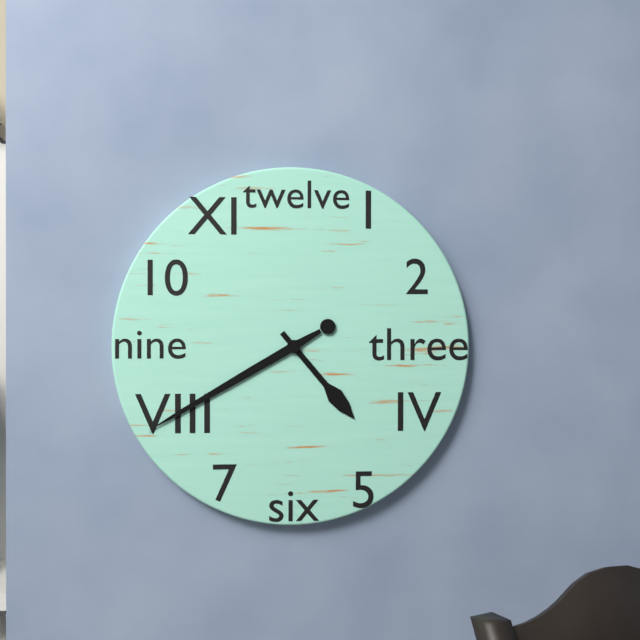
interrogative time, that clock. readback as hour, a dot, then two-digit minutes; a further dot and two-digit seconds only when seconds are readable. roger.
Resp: 4.40
